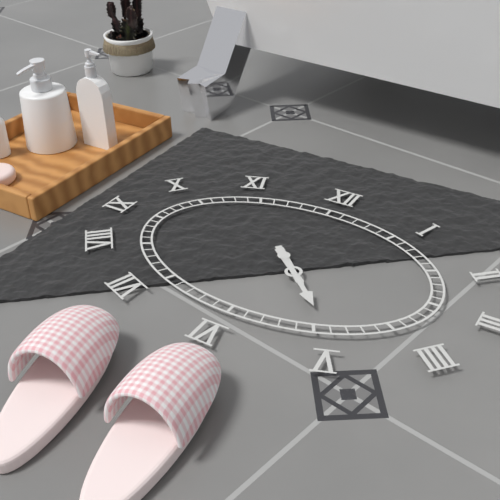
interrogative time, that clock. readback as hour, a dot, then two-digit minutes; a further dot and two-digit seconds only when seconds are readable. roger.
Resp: 4.22
